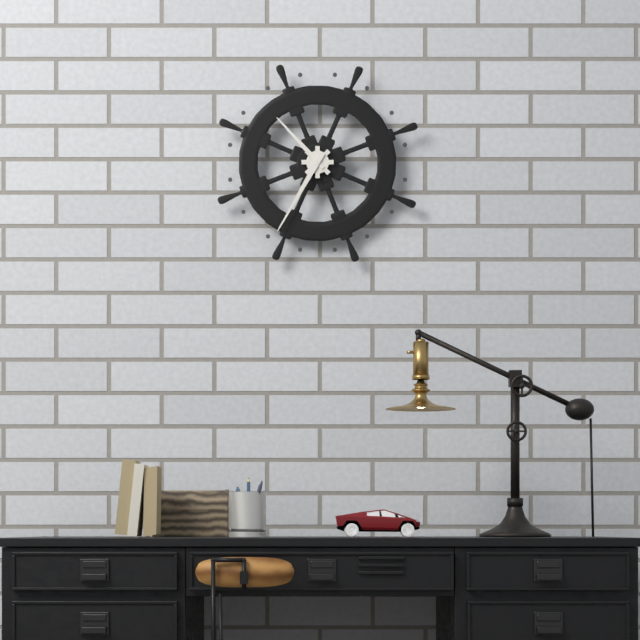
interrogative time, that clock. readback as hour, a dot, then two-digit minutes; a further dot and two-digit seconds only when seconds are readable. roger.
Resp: 10.35
